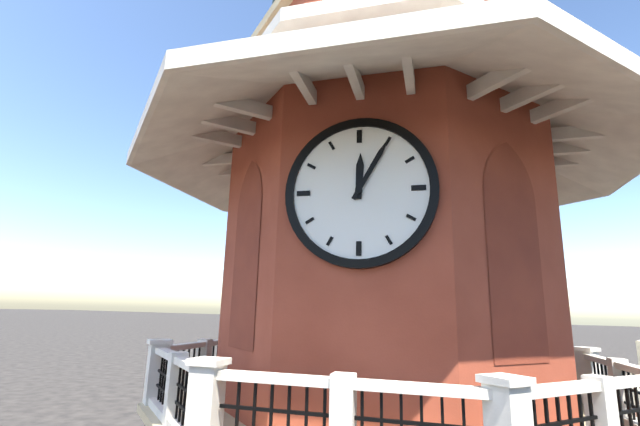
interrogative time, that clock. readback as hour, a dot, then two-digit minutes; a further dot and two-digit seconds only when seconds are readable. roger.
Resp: 12.05
